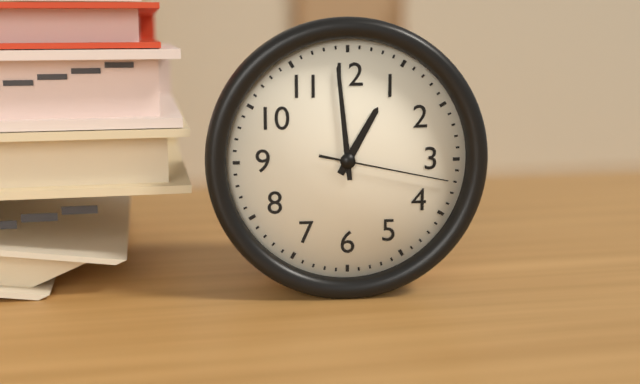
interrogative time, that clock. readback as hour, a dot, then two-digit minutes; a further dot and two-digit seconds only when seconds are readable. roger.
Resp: 12.59.17
